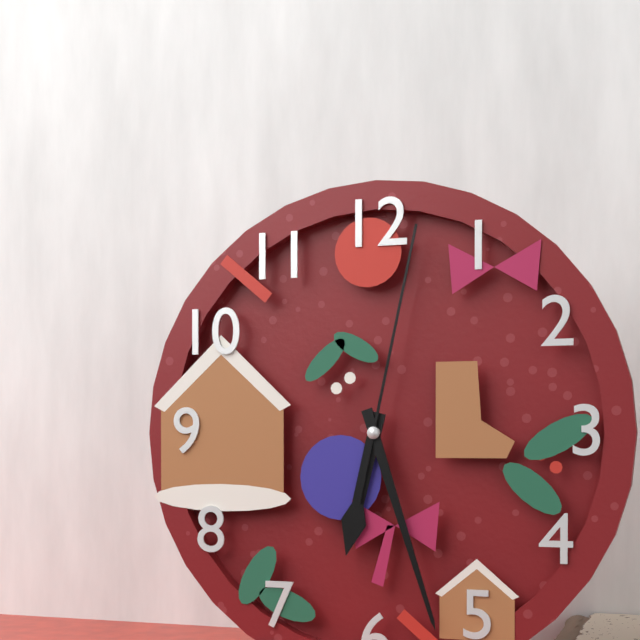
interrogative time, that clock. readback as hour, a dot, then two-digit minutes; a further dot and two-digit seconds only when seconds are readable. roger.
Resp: 6.27.02
